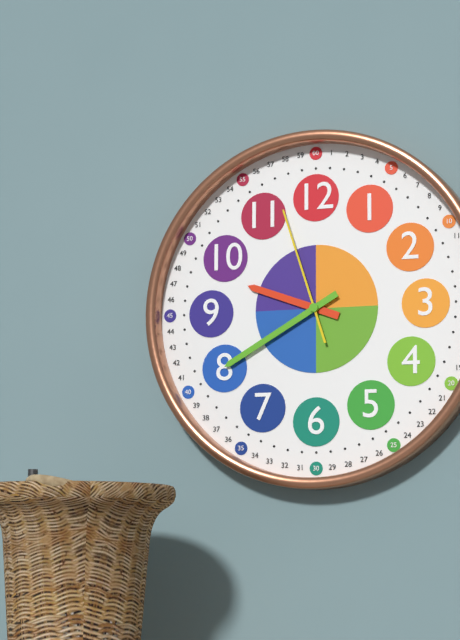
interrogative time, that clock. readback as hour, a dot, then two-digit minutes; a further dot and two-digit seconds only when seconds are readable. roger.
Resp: 9.40.57
